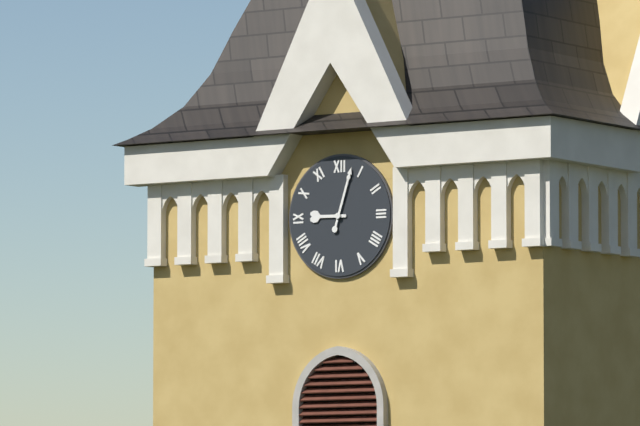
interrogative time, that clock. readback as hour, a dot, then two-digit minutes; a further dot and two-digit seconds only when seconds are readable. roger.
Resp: 9.03
